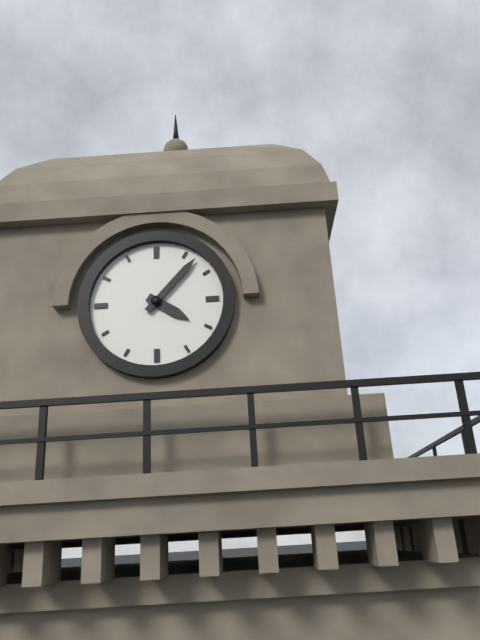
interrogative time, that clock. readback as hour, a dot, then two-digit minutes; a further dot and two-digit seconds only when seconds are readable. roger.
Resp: 4.07
